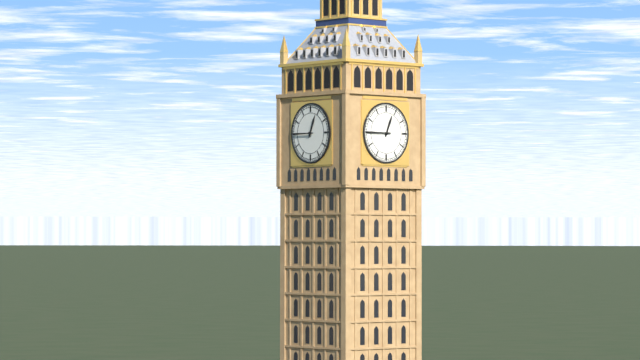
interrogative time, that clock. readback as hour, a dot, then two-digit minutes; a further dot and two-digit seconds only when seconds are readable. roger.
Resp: 12.45
